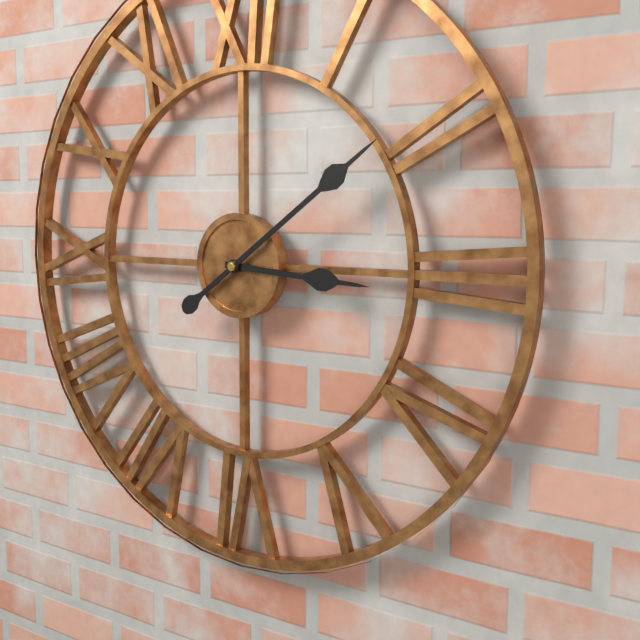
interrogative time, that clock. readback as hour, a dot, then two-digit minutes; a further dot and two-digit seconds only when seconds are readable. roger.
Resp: 3.09
